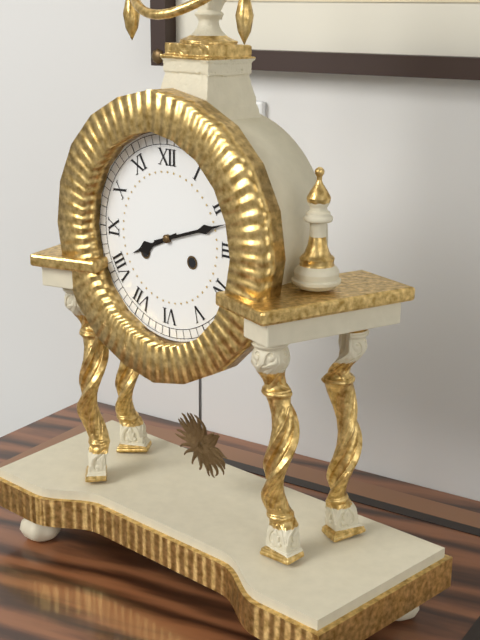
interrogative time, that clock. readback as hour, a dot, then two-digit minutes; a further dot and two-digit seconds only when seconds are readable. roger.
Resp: 8.12
